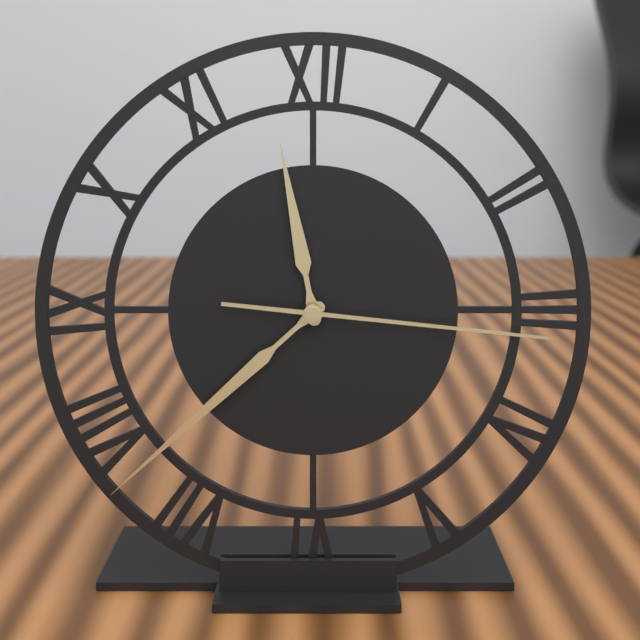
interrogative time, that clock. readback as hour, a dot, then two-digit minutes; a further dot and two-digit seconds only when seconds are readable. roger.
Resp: 11.38.16
